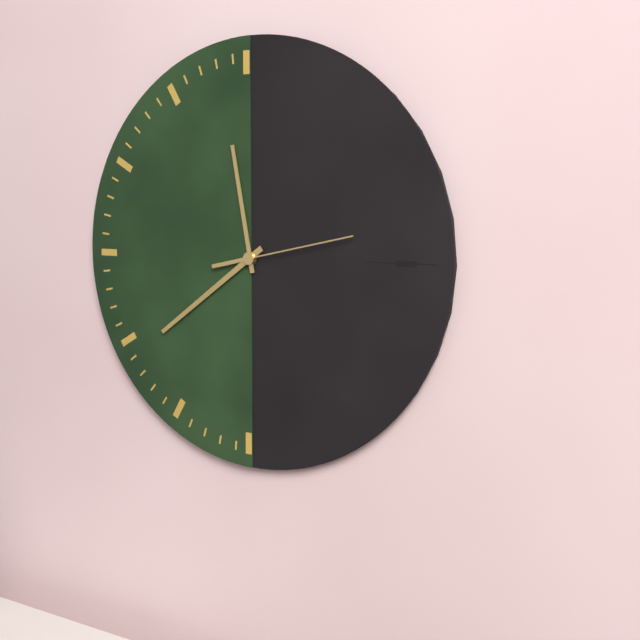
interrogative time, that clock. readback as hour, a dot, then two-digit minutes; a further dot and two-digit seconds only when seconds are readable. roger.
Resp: 11.39.13
